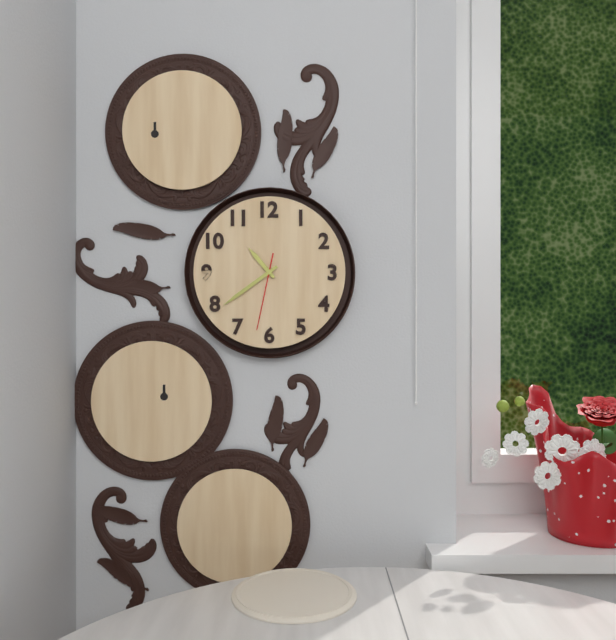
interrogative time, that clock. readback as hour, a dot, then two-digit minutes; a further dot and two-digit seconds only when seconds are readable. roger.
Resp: 10.39.32
